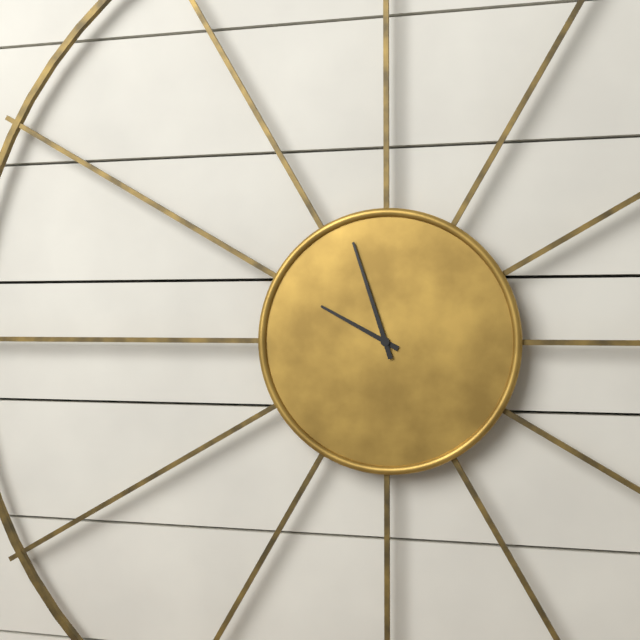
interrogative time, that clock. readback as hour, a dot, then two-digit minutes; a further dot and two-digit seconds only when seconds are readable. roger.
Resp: 9.57
